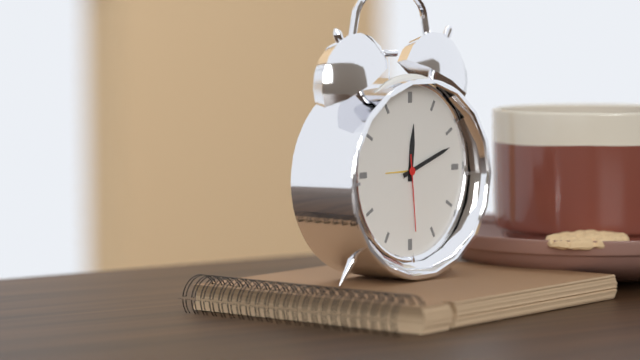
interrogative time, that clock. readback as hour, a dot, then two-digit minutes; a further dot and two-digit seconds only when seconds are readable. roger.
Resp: 12.12.29
